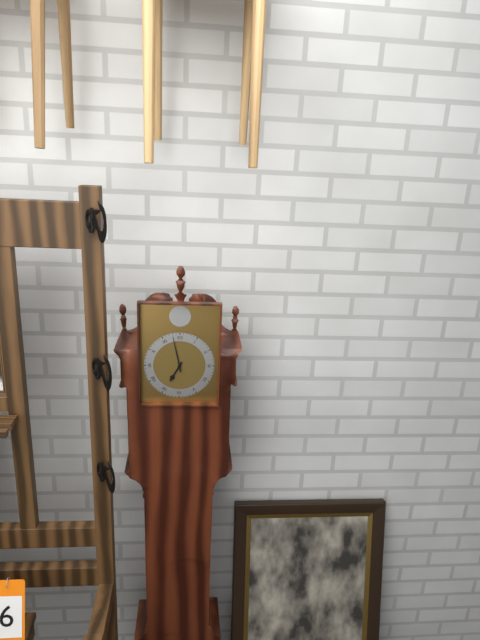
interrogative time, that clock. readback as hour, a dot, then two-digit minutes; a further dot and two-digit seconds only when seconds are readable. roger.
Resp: 6.58
